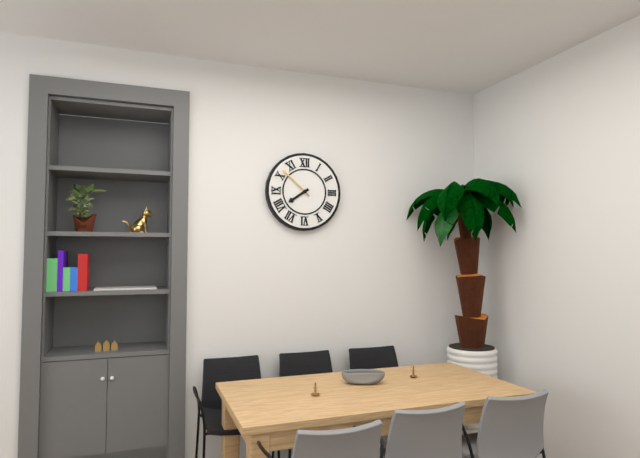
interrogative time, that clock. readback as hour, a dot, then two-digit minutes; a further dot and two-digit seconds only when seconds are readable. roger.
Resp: 7.52
